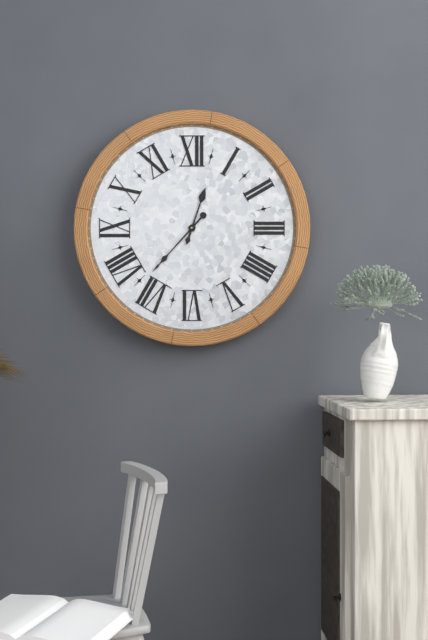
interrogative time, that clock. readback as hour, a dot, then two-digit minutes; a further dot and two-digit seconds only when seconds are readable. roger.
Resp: 12.37
